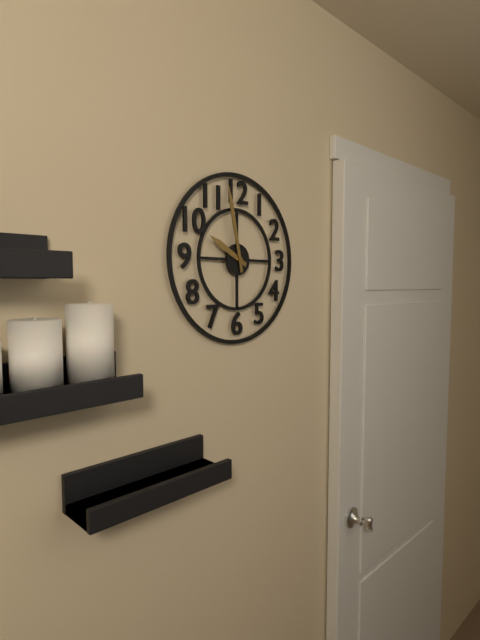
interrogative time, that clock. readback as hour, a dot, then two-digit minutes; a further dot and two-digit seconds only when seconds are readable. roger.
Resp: 9.58
